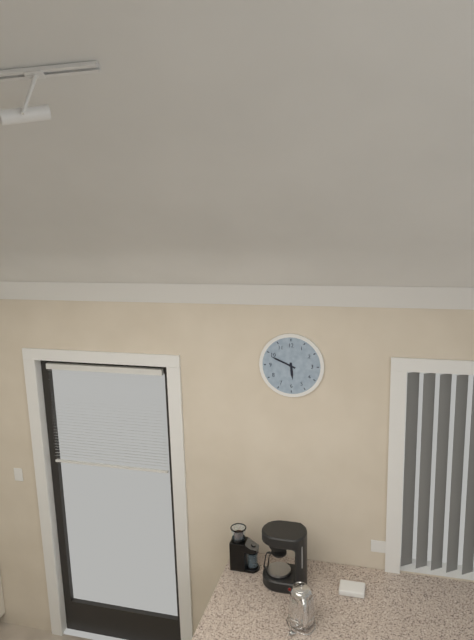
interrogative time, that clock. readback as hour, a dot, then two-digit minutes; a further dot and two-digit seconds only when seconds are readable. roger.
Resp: 5.49
